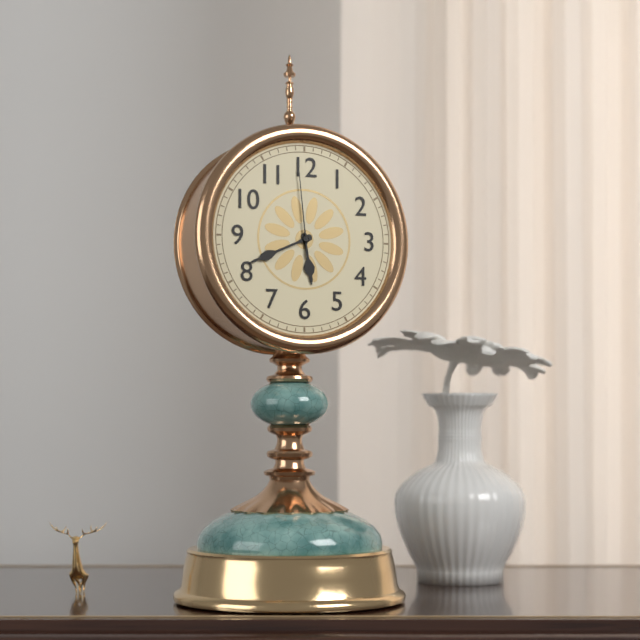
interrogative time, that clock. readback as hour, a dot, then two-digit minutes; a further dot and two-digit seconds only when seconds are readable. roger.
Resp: 5.41.59
